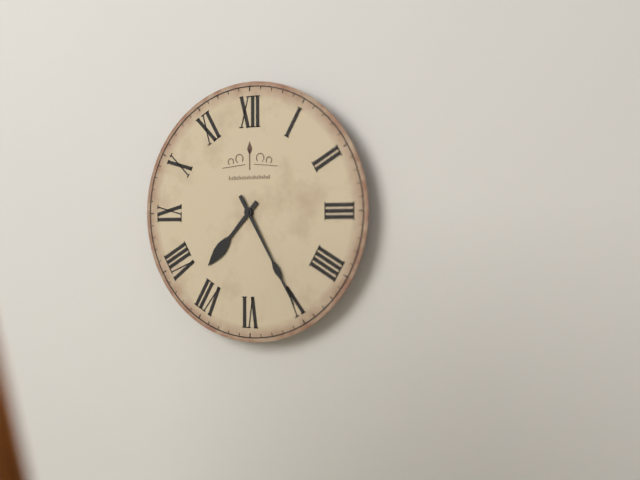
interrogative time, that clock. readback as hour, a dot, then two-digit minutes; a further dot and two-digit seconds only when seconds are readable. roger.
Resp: 7.25
